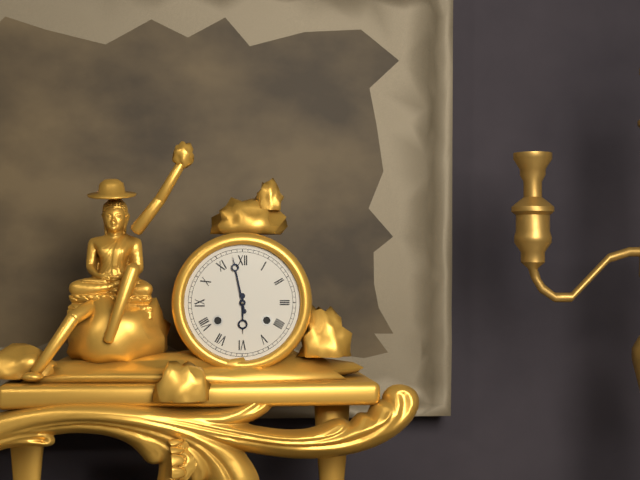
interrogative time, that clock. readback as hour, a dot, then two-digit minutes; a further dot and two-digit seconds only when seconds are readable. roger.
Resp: 5.58
